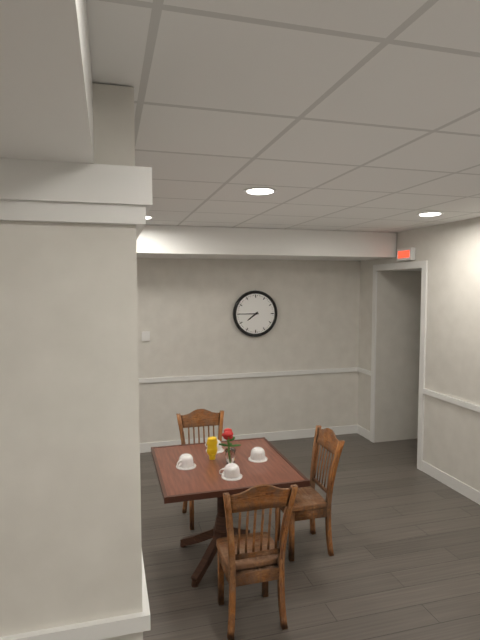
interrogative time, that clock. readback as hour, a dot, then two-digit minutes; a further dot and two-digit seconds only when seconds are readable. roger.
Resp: 7.45
